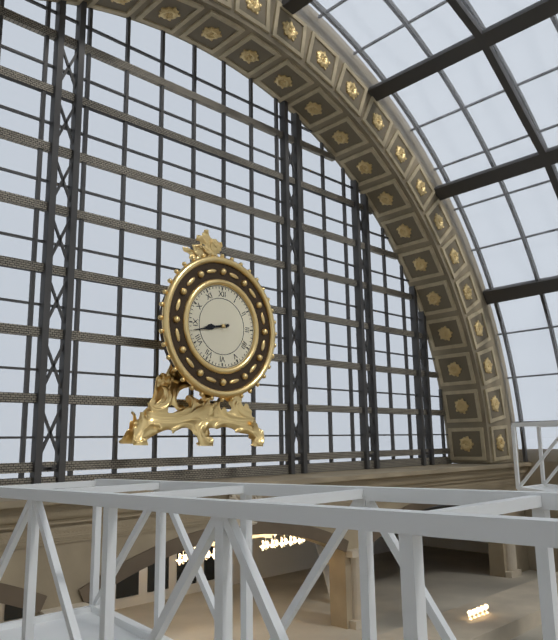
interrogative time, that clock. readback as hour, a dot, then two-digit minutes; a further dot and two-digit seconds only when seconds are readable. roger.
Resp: 8.43
